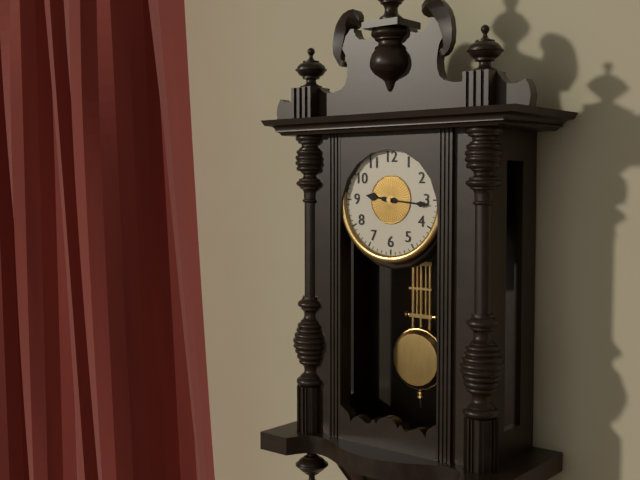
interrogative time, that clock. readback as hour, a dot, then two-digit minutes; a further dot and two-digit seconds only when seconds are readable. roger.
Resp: 9.16
